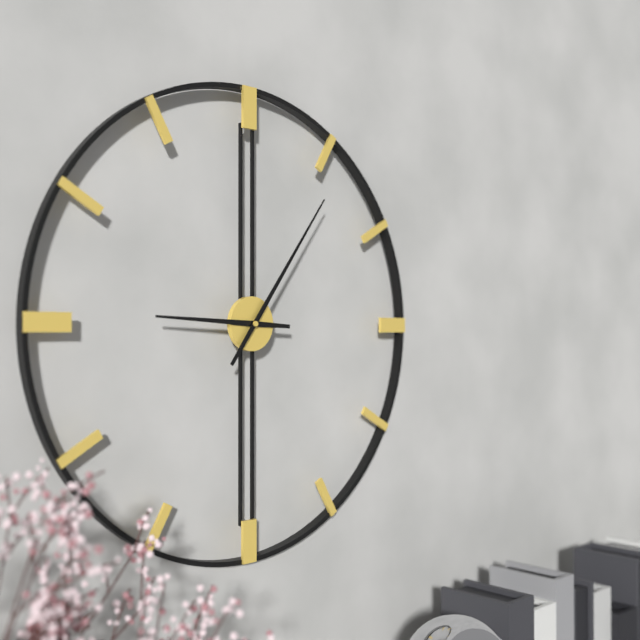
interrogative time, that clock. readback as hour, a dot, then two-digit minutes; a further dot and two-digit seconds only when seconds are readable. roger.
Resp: 9.06
